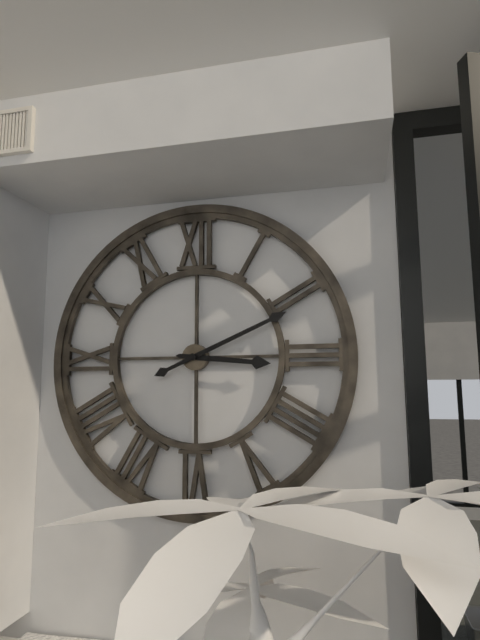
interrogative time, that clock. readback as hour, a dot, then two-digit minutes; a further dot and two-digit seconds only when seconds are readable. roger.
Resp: 3.11
